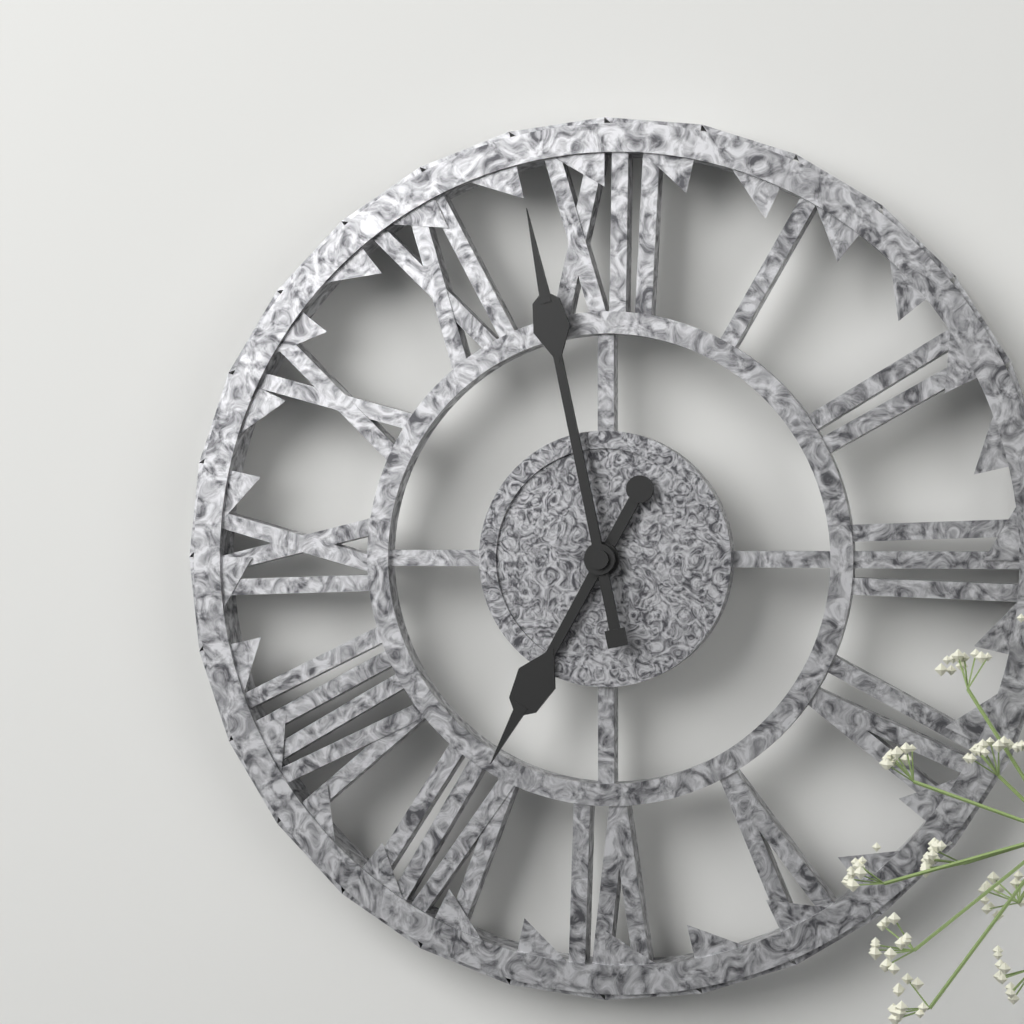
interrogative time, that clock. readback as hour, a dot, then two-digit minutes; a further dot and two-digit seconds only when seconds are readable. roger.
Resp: 6.58
